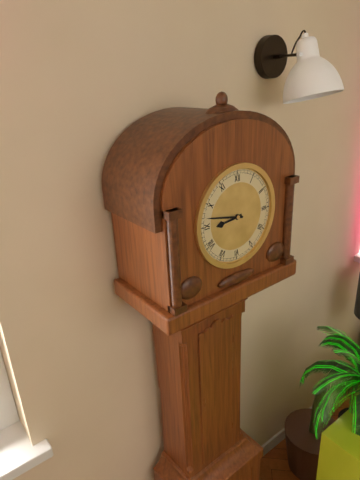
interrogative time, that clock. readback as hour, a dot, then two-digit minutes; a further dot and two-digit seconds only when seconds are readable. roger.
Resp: 8.47
